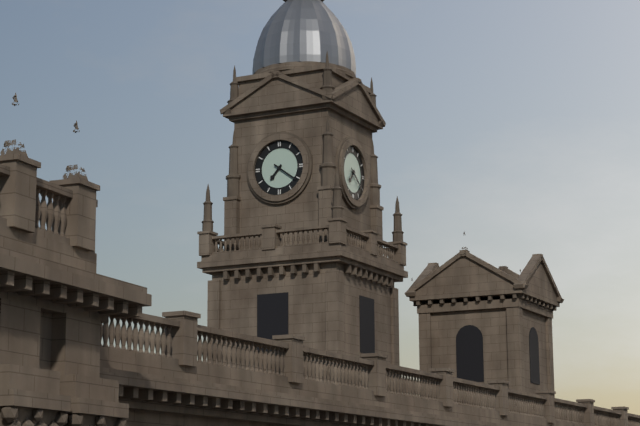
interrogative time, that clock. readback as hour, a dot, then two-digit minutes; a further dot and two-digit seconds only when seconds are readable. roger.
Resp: 7.21
